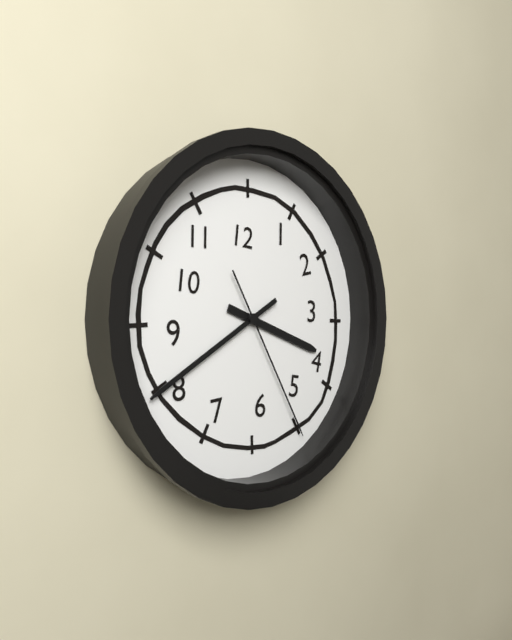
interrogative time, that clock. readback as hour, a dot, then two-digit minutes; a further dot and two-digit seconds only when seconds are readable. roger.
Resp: 3.40.25
